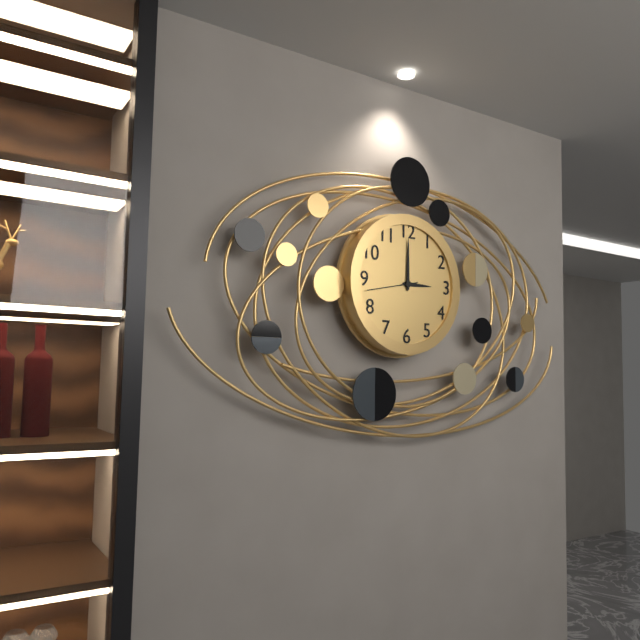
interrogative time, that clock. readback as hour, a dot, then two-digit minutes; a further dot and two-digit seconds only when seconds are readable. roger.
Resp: 3.00.43
